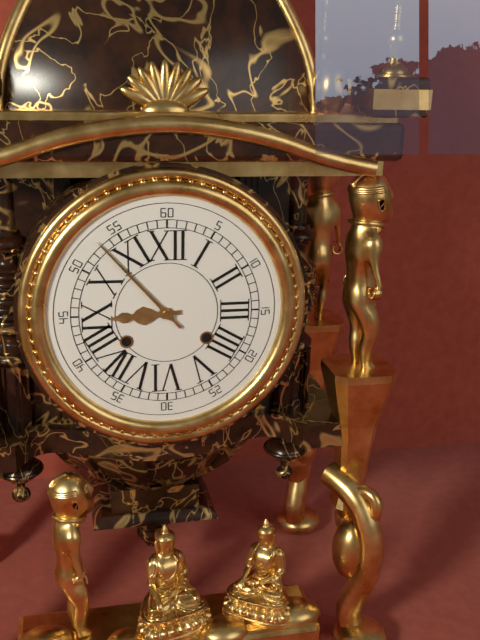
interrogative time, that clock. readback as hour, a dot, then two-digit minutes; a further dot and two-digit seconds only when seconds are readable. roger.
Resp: 8.53
